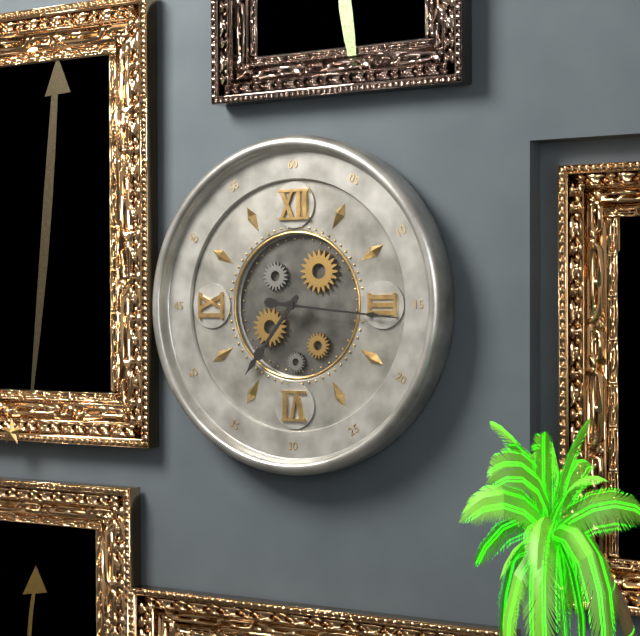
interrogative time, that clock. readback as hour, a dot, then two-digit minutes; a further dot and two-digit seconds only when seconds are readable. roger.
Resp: 7.16
